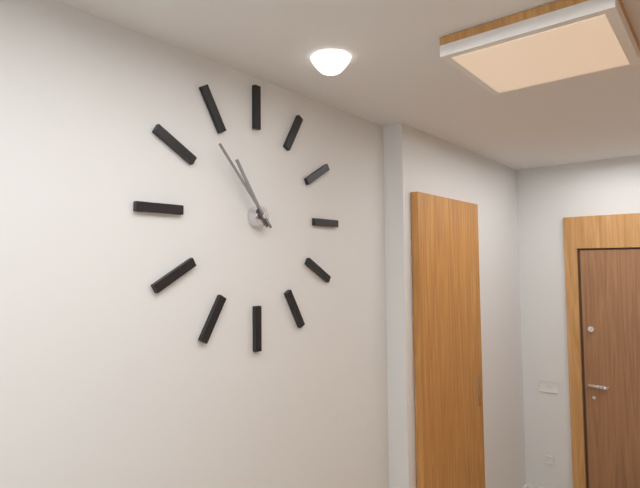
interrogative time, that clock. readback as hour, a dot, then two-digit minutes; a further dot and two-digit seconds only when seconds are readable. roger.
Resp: 10.53
